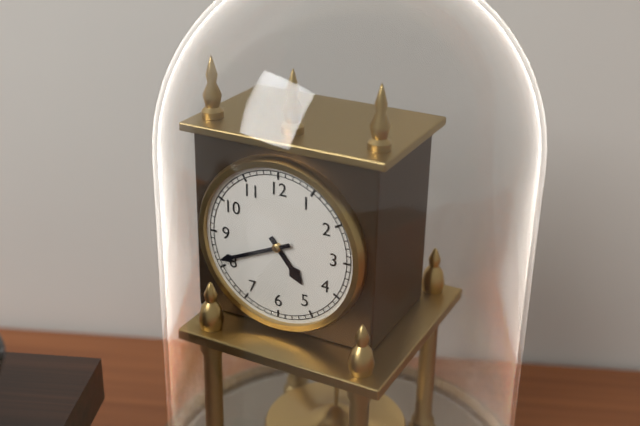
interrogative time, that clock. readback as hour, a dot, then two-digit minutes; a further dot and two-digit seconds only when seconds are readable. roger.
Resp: 4.41
